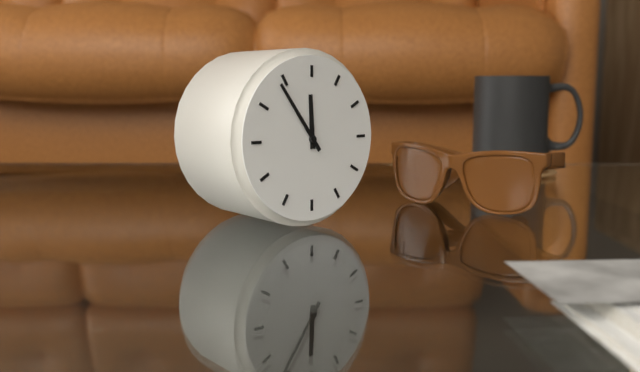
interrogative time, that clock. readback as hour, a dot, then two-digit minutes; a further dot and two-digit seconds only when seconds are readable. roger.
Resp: 11.54
